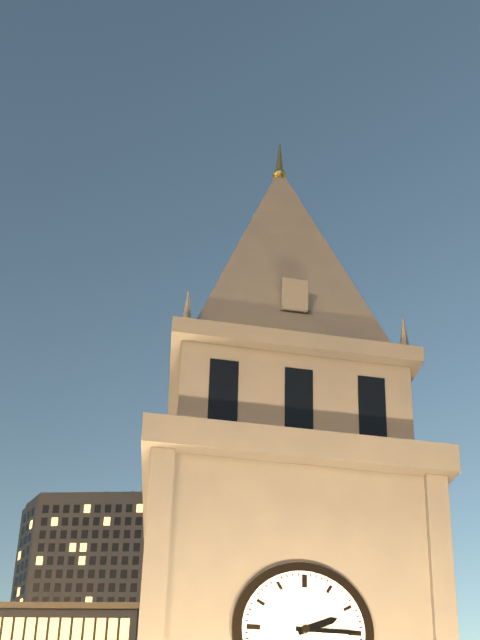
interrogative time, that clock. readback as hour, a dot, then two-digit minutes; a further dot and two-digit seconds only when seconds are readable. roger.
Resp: 2.15
